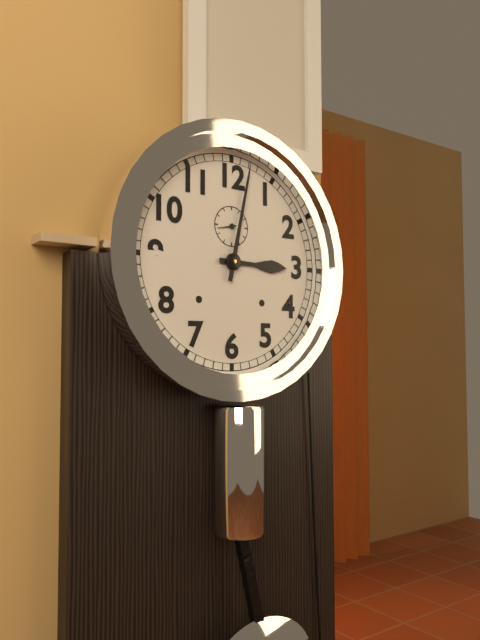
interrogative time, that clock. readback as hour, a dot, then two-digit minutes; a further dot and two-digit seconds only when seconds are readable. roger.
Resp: 3.02
